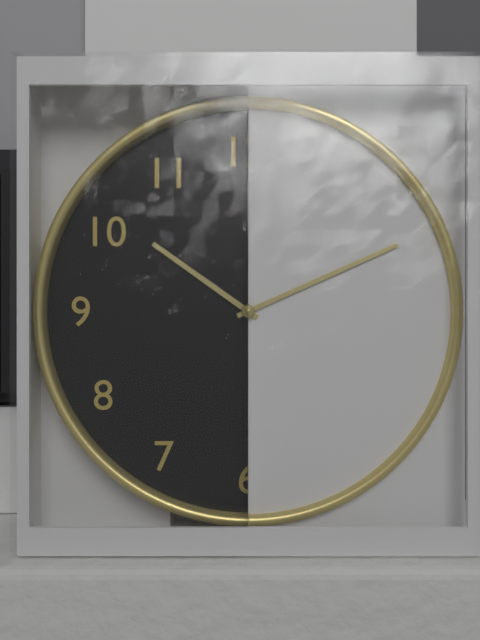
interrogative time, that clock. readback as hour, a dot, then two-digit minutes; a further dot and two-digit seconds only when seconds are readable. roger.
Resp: 10.11
